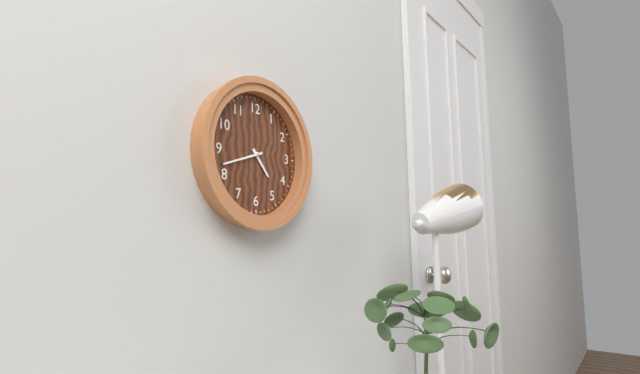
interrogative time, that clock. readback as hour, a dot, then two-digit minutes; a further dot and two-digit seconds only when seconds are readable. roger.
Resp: 4.42
